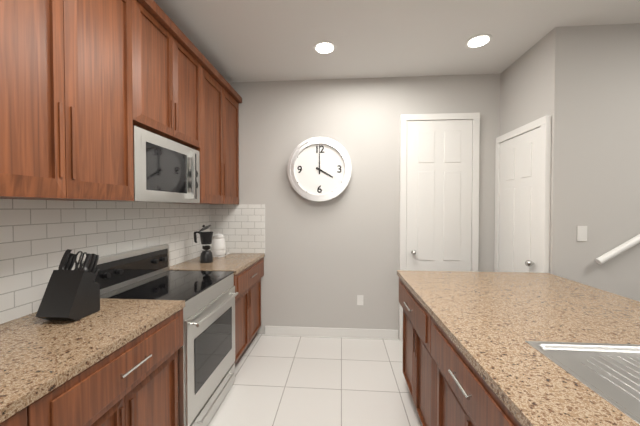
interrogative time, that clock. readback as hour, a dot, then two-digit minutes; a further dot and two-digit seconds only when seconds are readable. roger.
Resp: 4.00
